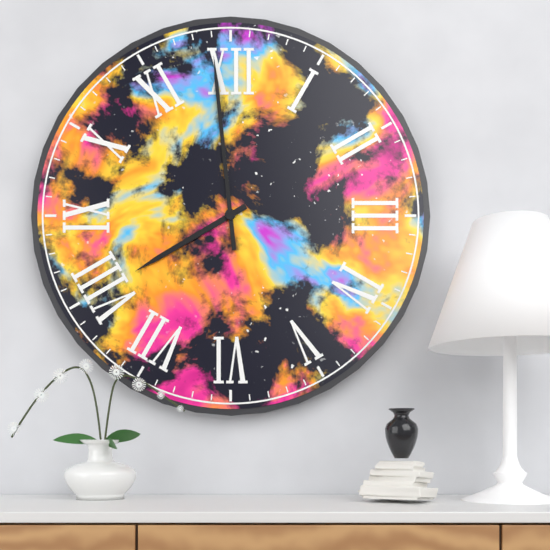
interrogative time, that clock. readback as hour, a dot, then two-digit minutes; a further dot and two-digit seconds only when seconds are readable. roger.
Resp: 7.59
